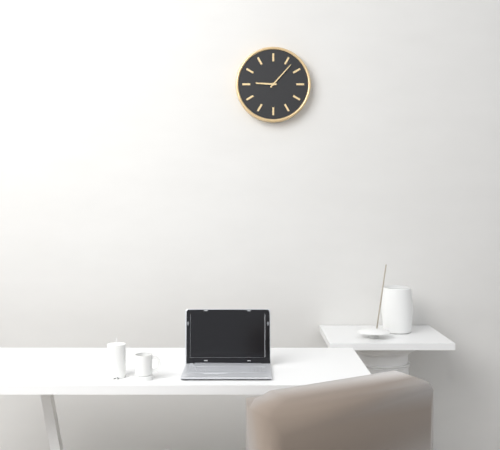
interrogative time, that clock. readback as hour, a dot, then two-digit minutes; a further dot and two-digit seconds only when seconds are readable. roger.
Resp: 9.07
